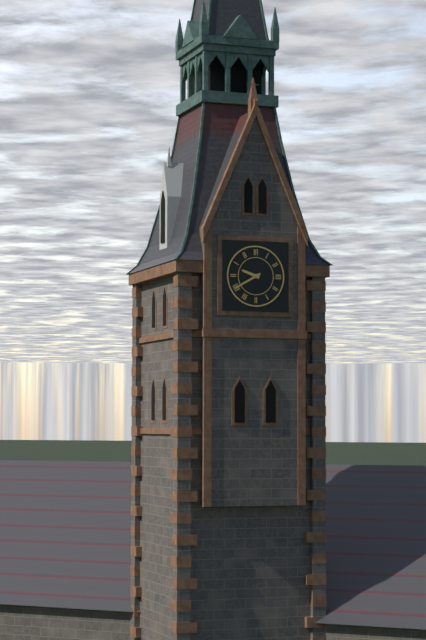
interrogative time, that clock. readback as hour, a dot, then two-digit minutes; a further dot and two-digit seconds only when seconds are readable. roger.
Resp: 9.40
